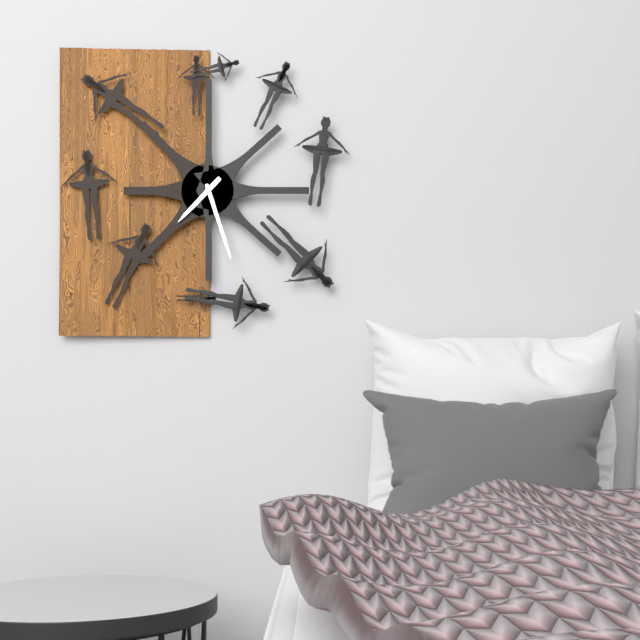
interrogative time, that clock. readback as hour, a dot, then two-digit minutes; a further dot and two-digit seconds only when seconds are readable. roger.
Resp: 7.27
